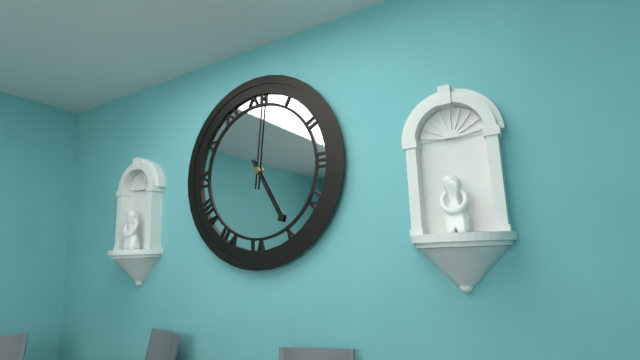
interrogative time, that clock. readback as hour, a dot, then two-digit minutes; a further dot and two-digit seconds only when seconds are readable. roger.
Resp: 5.01
